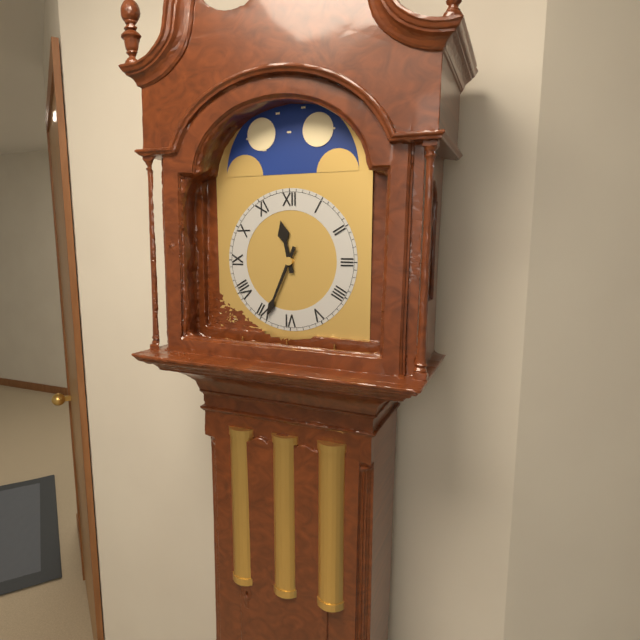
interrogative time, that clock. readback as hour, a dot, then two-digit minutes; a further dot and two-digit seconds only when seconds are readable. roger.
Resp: 11.34
